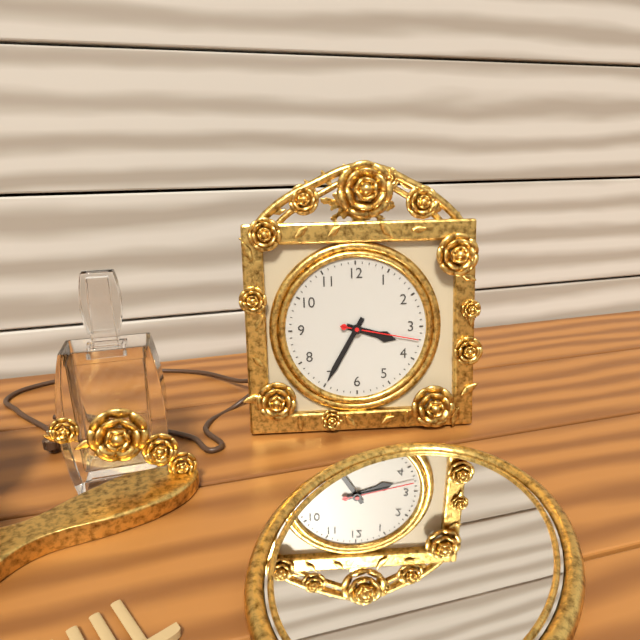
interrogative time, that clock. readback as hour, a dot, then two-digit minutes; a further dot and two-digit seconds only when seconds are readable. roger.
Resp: 3.35.17
